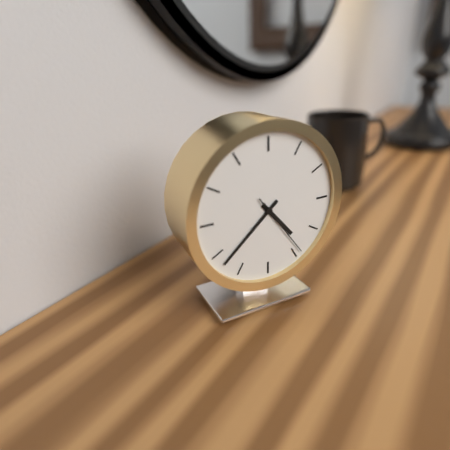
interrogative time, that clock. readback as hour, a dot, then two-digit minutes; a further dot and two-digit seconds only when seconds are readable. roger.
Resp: 4.38.24
